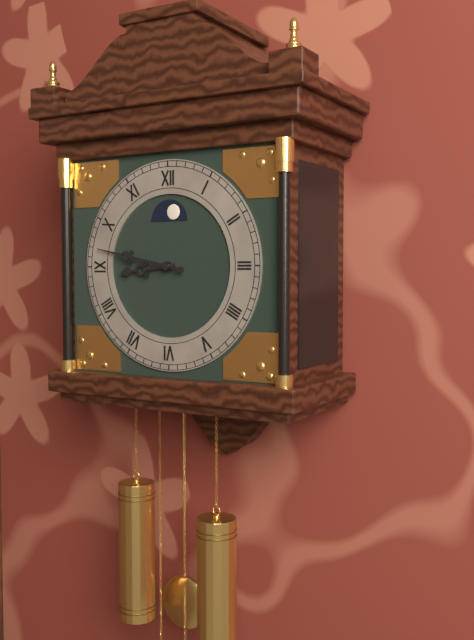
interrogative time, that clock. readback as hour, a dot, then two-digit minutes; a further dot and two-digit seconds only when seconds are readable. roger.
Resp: 8.47
